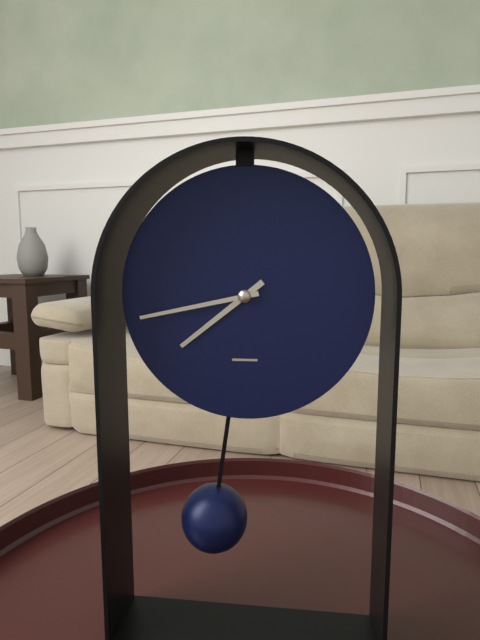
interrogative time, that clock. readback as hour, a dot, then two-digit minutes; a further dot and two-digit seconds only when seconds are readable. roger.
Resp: 7.43
